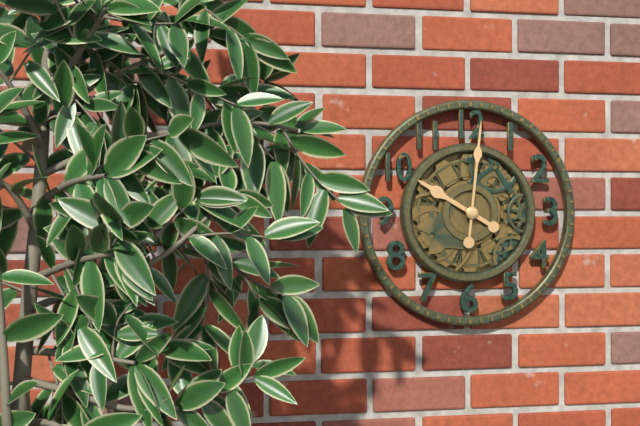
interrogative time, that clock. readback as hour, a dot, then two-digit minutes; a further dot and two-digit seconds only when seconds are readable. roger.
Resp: 10.01
